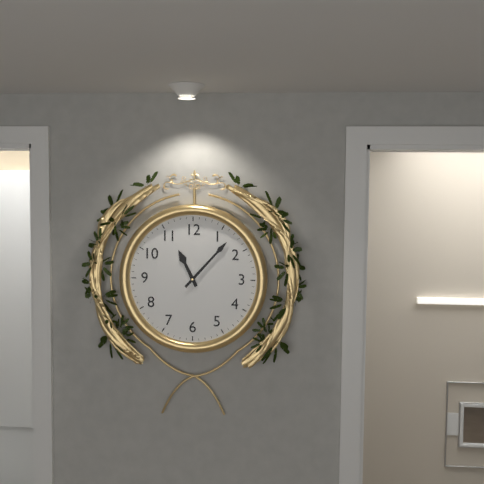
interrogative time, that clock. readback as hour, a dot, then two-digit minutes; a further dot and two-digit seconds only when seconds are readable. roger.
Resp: 11.07
